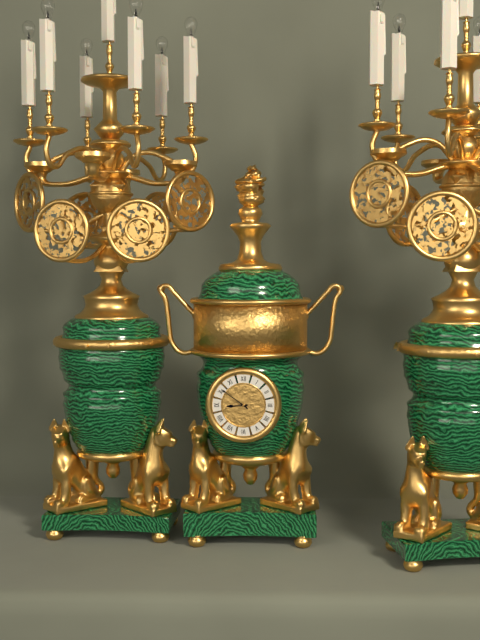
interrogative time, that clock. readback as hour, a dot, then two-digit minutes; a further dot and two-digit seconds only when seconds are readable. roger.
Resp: 8.51
